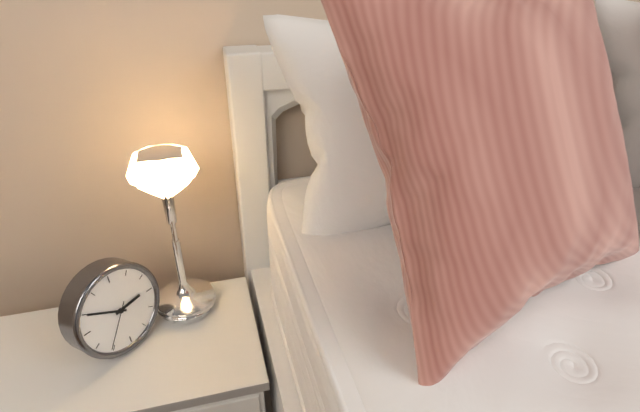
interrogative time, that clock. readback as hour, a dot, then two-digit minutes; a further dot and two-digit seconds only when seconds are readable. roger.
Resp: 2.50.36
